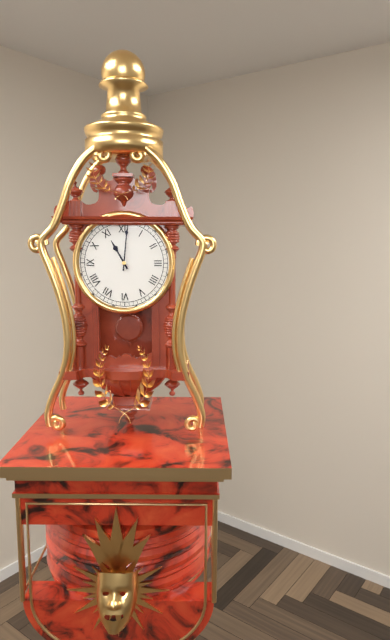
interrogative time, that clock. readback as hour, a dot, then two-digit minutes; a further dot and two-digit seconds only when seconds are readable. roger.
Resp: 11.01
